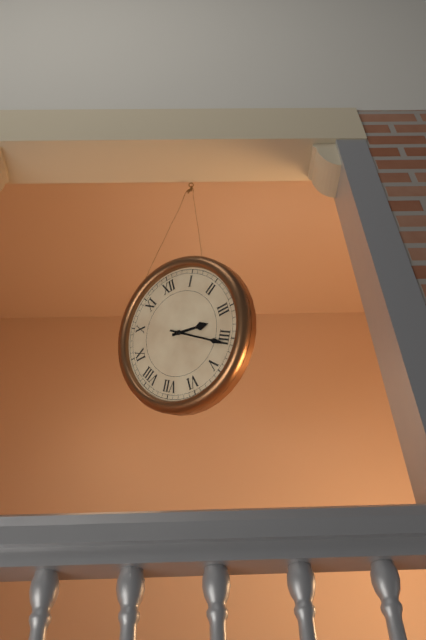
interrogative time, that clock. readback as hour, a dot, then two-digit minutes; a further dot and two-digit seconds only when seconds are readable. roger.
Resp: 3.21
